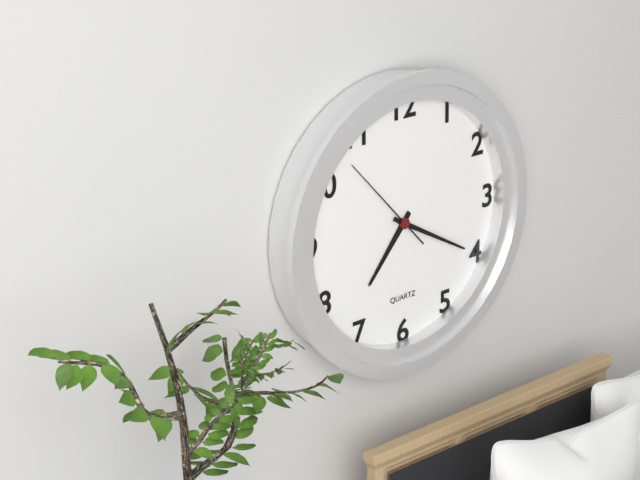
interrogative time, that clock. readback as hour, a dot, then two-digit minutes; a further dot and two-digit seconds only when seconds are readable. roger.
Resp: 7.20.53
